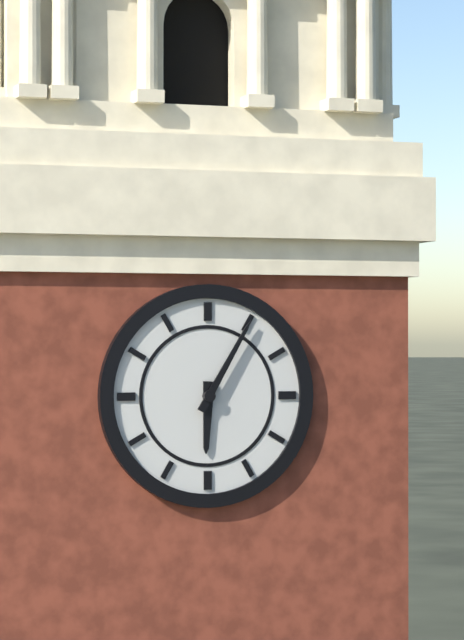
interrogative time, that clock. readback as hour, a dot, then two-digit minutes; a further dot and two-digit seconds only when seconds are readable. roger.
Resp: 6.05
